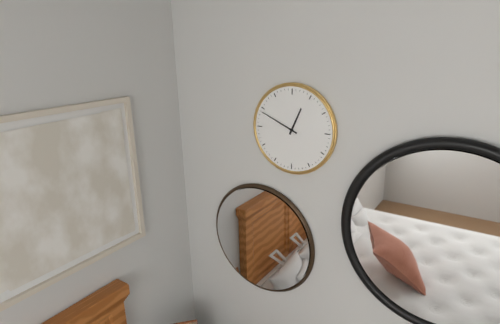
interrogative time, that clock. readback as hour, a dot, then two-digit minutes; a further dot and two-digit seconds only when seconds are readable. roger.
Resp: 12.49
